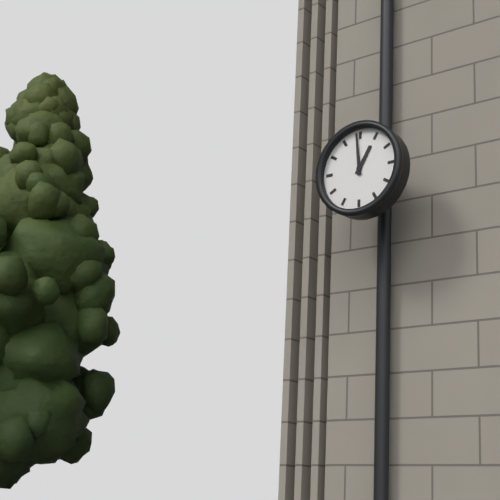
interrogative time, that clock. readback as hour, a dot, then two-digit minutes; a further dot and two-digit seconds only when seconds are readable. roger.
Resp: 12.59
